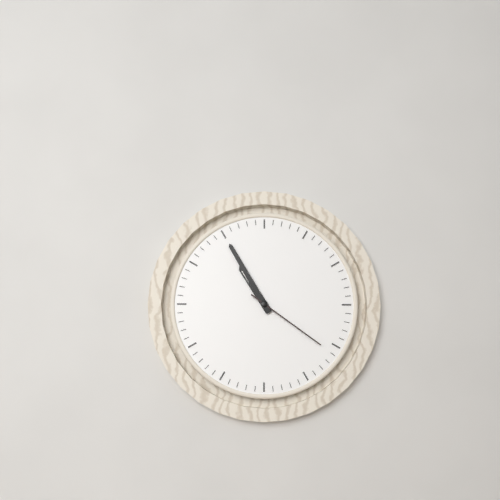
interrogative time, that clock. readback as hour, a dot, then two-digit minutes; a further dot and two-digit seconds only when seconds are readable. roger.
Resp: 10.55.21
